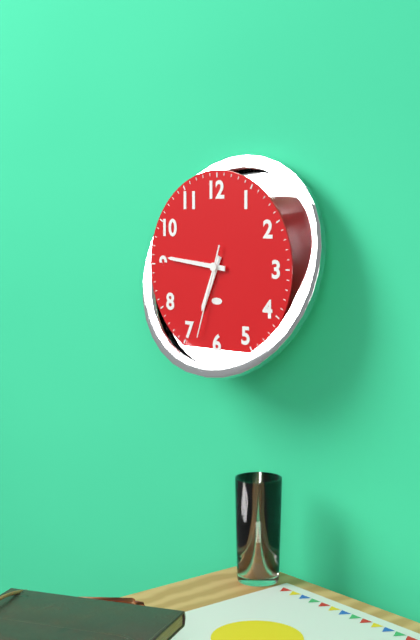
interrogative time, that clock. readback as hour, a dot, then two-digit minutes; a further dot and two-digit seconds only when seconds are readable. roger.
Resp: 6.46.33
